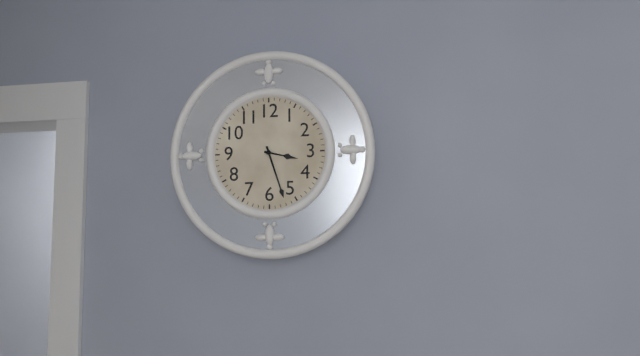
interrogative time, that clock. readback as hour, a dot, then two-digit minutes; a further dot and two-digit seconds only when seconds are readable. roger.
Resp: 3.27
